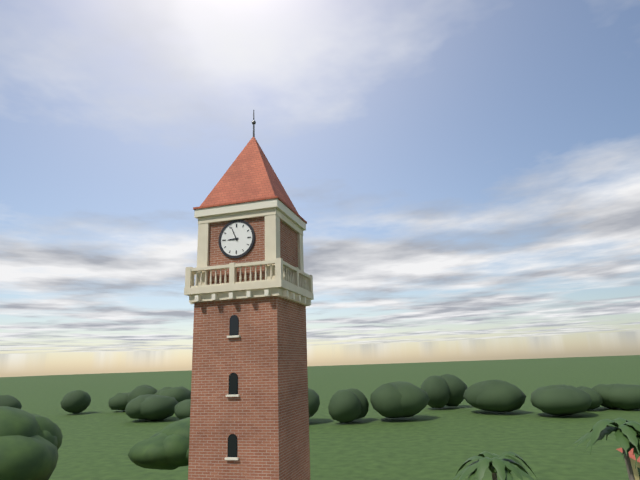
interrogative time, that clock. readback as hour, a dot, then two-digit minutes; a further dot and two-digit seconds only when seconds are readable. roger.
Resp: 8.56
